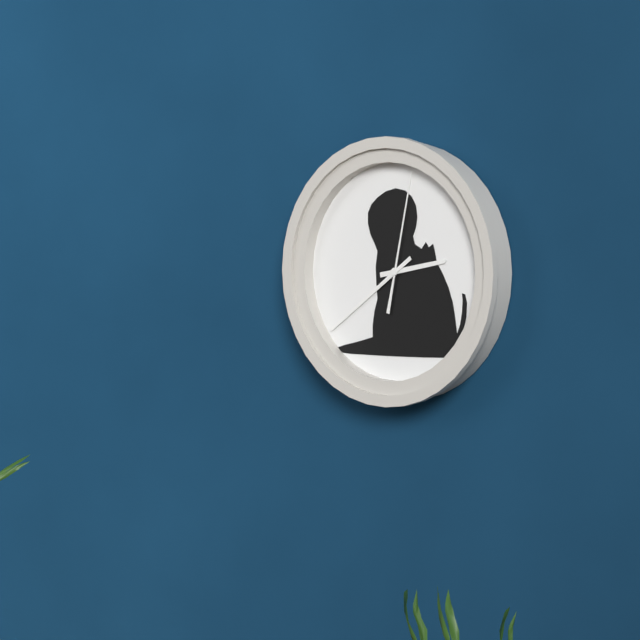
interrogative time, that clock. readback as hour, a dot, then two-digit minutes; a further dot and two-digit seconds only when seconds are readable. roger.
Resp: 2.39.02
